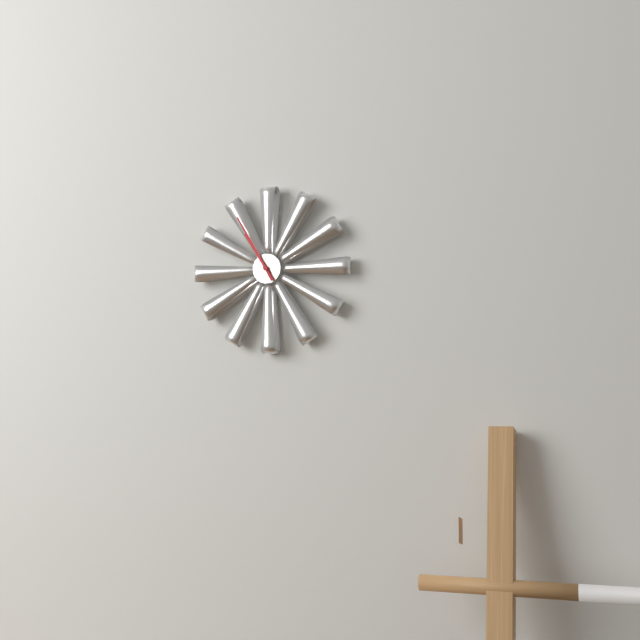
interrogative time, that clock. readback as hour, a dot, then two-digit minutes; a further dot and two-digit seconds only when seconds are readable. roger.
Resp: 10.55
